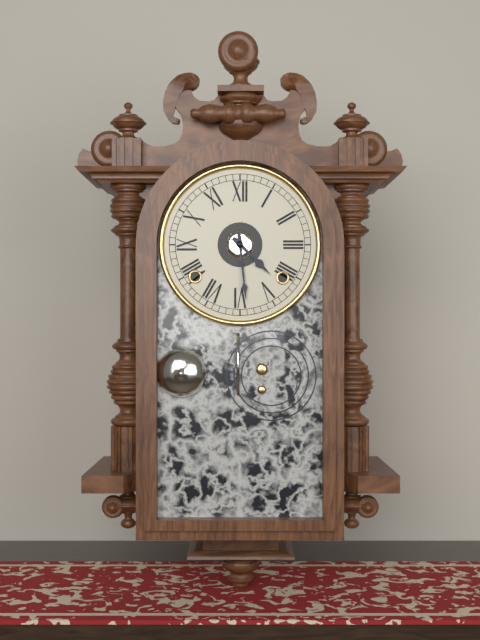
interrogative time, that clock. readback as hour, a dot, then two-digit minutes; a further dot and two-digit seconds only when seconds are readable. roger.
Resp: 4.29
